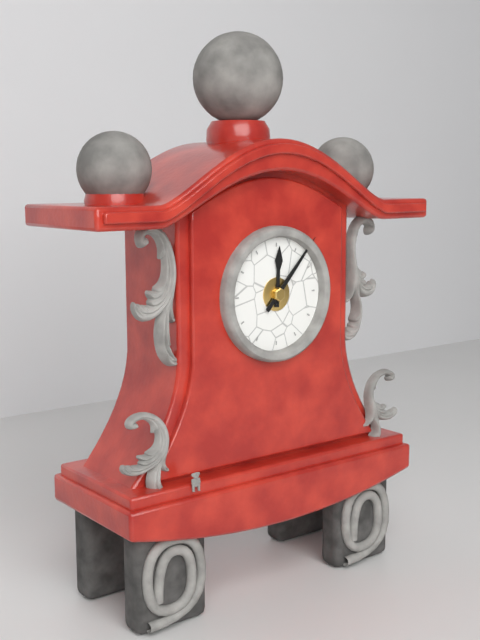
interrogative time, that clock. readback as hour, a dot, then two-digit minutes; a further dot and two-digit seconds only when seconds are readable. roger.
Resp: 12.07
